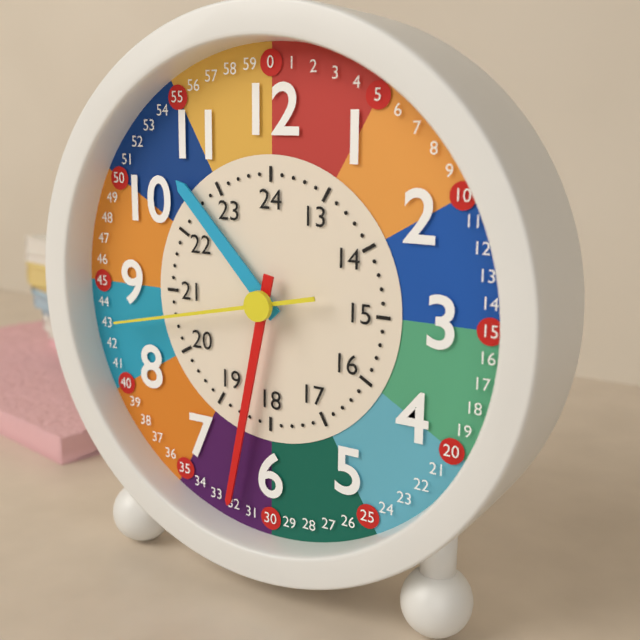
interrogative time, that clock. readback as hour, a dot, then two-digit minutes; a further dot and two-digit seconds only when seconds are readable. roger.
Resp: 10.32.43
